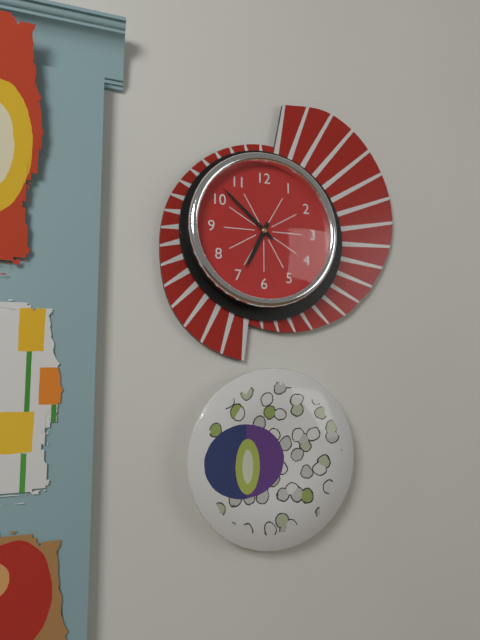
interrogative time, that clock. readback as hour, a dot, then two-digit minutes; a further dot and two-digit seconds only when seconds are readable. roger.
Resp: 6.52
